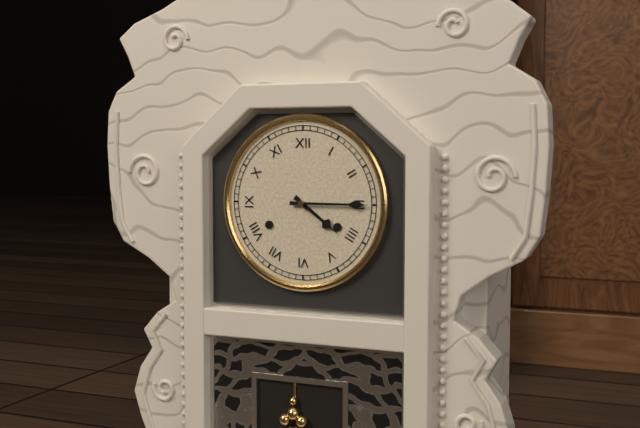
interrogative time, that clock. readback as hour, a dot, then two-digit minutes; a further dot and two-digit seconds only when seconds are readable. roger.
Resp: 4.15
